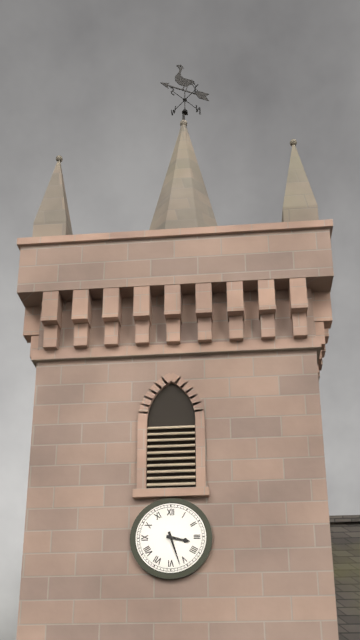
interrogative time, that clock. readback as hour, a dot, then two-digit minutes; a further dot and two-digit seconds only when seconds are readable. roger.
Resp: 3.27
